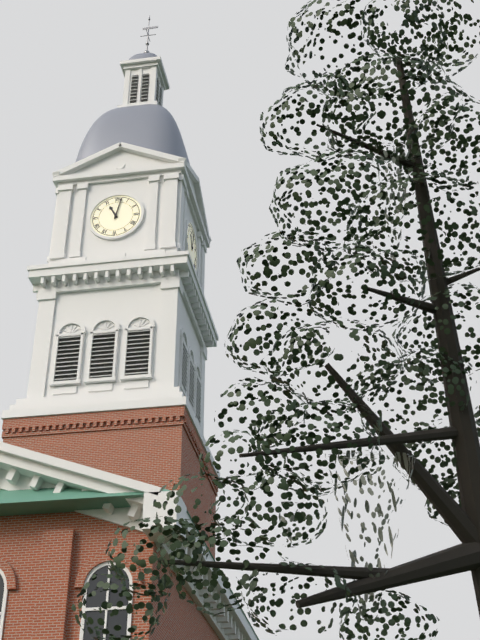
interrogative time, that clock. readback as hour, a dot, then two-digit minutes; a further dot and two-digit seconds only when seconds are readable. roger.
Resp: 11.02
